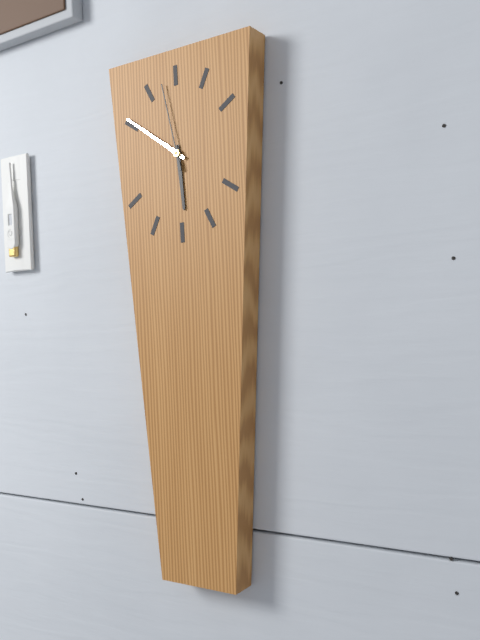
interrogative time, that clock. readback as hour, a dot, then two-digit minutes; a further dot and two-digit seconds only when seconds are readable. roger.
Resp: 5.51.58
